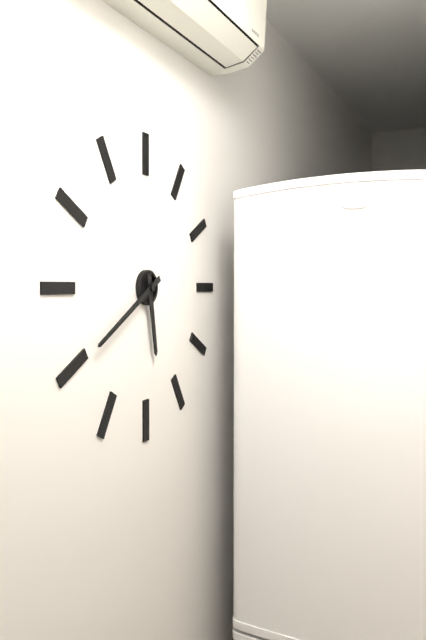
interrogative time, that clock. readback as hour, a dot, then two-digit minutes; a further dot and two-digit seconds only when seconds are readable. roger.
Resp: 5.40
